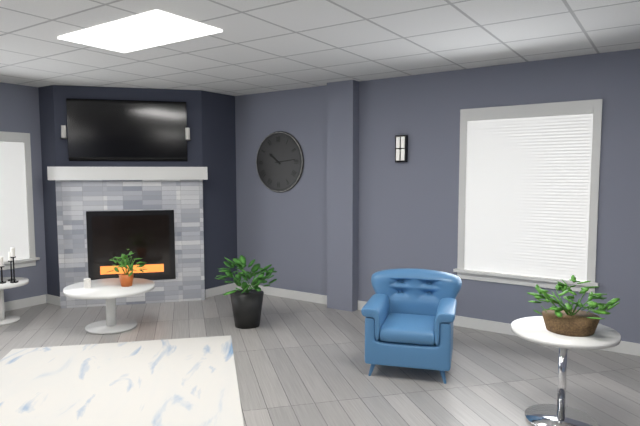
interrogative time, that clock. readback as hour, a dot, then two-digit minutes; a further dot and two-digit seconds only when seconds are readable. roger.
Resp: 10.14
